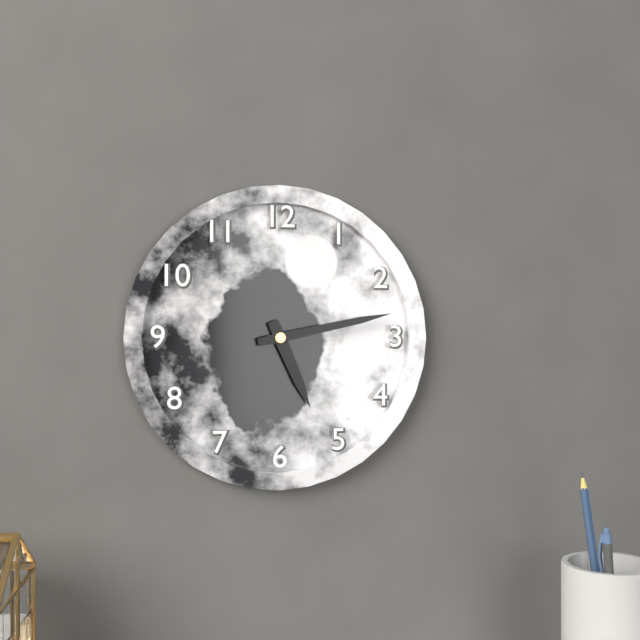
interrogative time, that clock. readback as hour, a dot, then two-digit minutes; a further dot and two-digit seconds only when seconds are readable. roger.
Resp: 5.13
